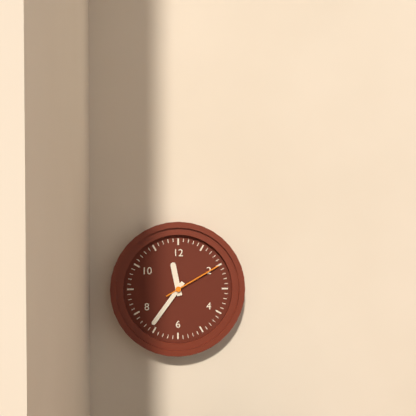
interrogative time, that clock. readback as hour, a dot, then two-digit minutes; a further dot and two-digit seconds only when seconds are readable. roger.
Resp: 11.36.10
